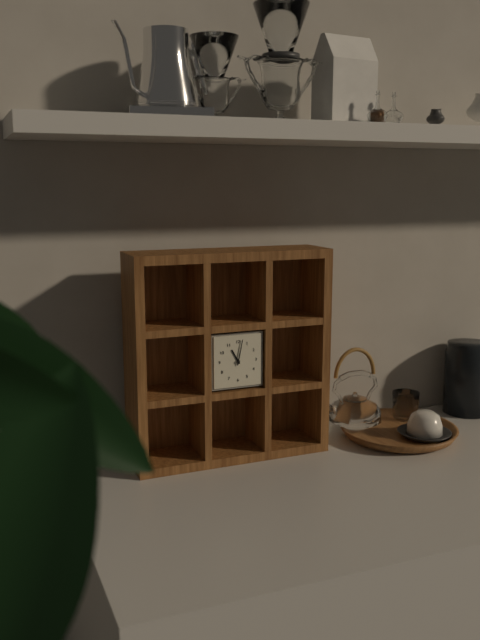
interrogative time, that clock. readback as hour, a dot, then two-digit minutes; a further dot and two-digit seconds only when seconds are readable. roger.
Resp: 11.02
